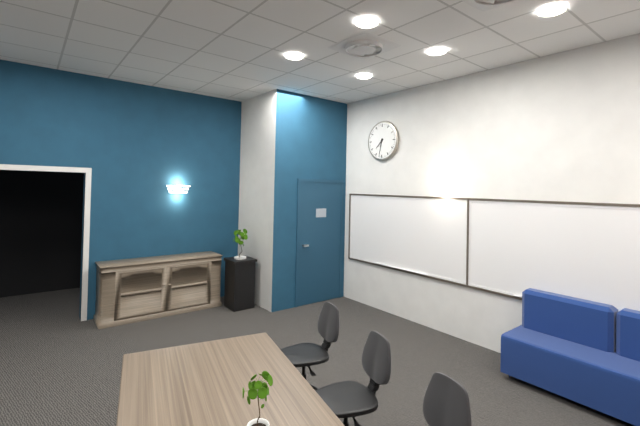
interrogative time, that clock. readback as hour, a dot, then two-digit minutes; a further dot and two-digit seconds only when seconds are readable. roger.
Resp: 7.32
